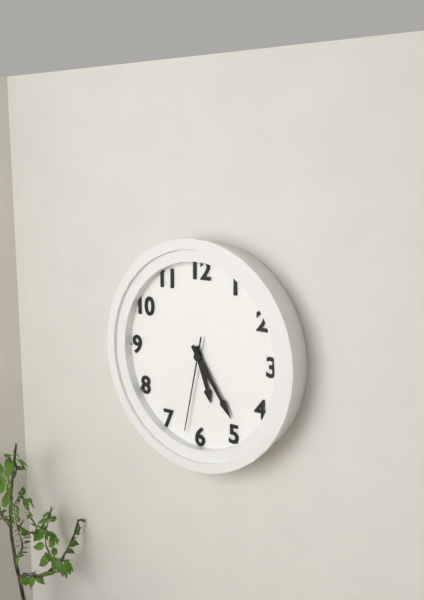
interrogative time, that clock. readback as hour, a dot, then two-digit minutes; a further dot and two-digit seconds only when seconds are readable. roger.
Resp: 5.24.32
